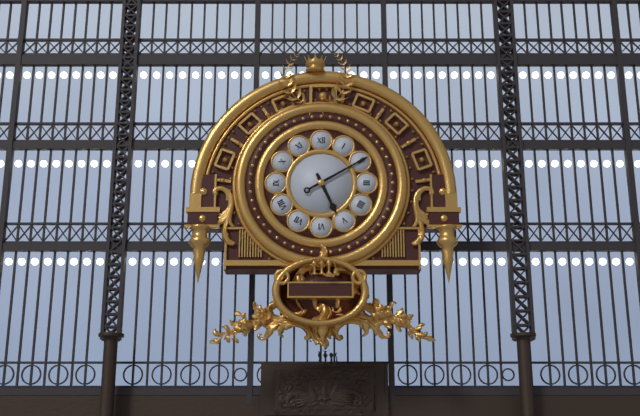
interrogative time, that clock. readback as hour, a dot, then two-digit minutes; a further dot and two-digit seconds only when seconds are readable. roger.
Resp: 5.10
